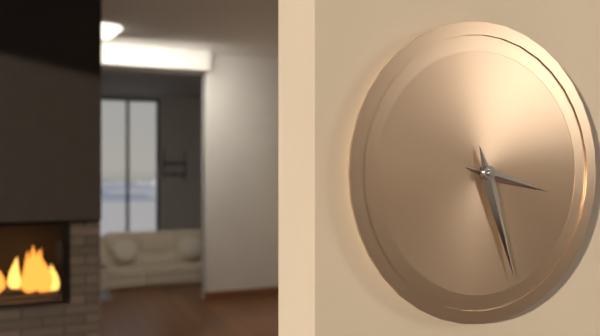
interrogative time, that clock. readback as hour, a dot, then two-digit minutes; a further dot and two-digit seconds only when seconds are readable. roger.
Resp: 3.27
